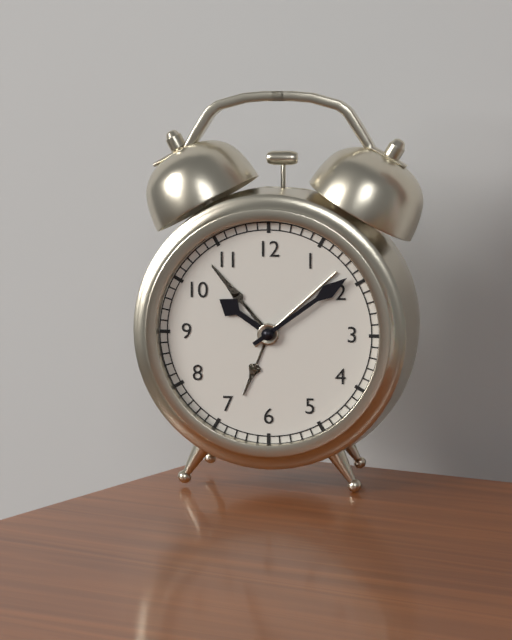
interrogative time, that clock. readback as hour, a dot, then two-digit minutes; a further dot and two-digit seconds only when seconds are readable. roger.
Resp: 10.09
